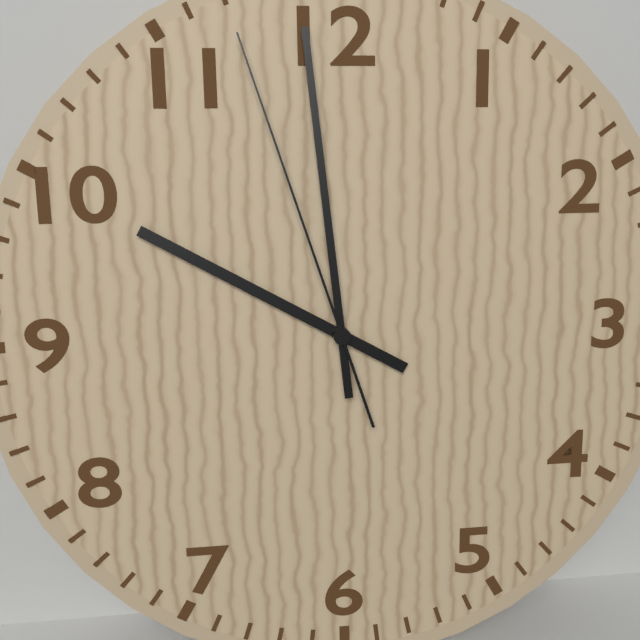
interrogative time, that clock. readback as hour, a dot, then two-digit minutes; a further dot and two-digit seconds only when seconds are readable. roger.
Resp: 9.59.57
